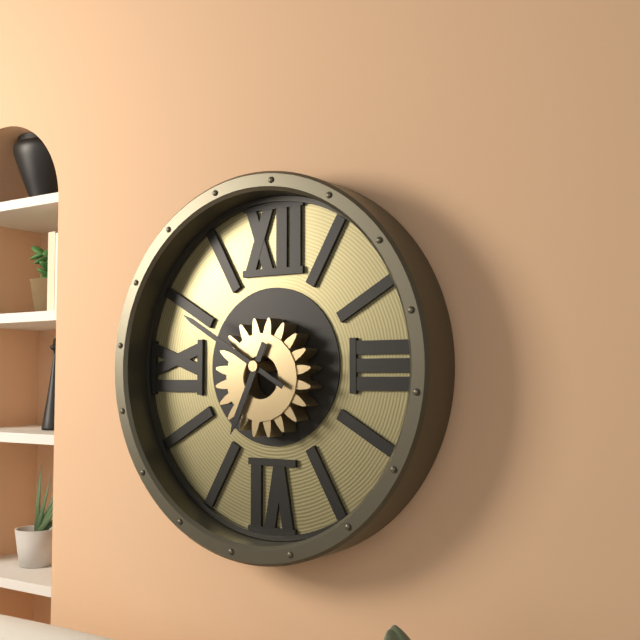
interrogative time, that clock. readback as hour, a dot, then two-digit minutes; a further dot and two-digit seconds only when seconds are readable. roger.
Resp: 6.50
